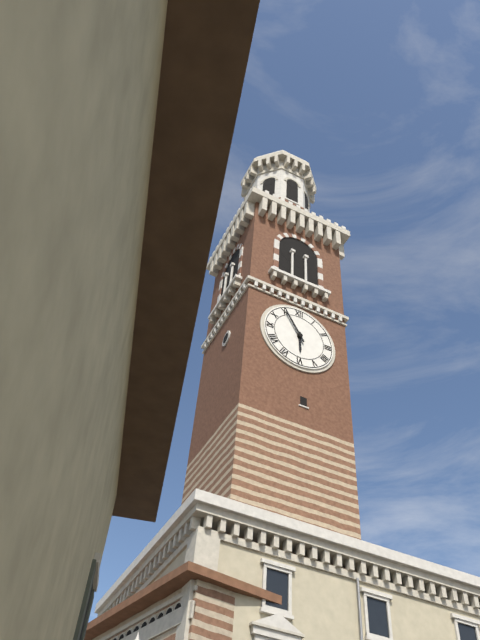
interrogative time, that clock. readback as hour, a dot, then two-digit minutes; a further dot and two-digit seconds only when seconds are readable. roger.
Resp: 5.55
